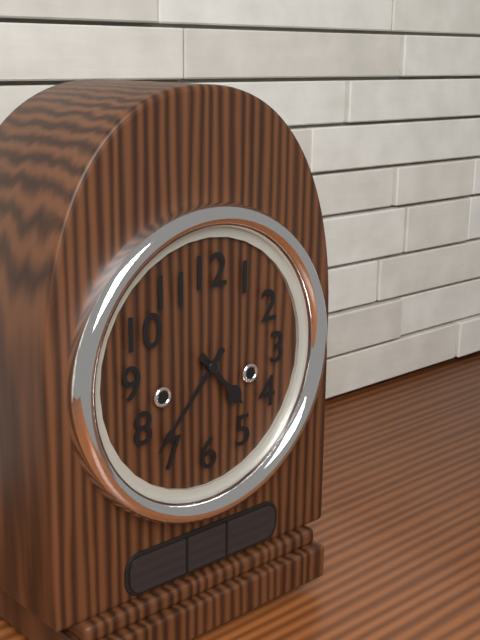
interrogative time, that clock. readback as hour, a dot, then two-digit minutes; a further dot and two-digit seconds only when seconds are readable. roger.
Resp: 4.37
